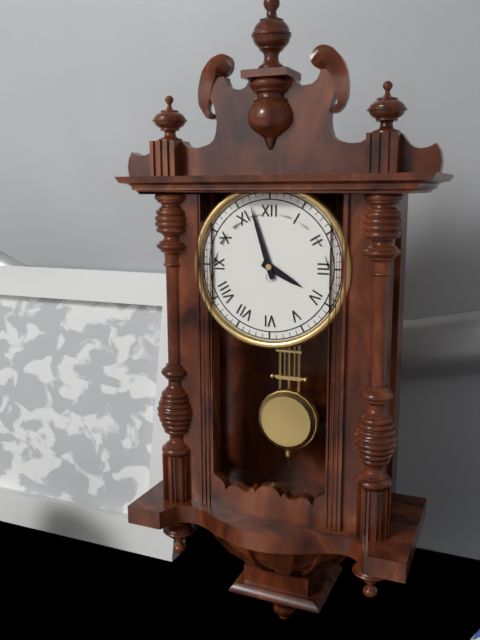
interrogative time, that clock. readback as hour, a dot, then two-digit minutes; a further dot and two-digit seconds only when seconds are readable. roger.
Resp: 3.57
